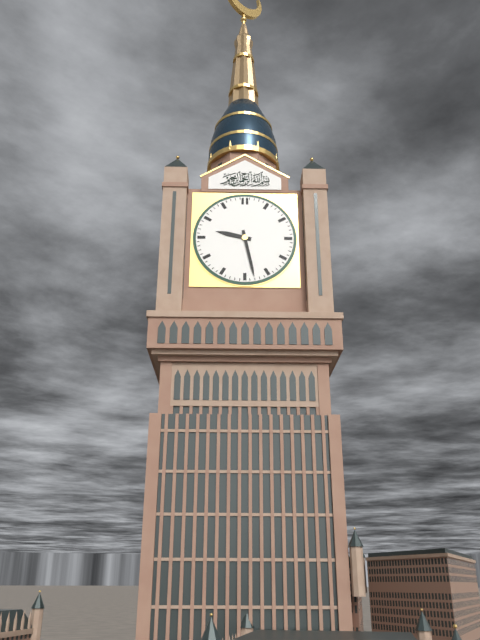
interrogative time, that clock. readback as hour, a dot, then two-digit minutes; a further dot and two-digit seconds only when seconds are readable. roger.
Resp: 9.28
